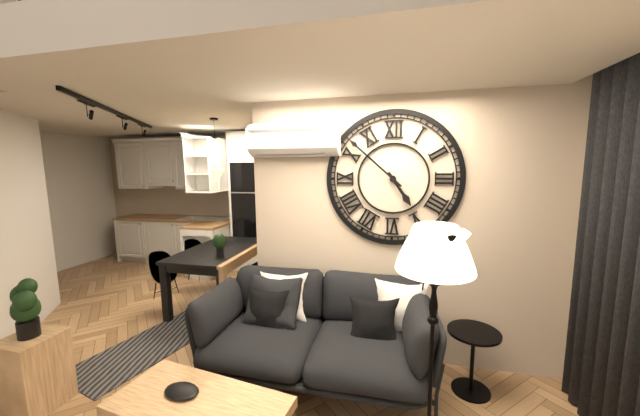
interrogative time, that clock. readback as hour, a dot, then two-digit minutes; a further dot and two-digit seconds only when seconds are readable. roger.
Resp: 4.52
